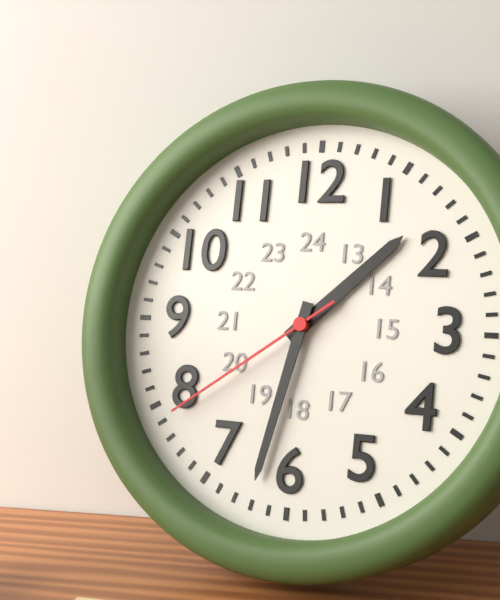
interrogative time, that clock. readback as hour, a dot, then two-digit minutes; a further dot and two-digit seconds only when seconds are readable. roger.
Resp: 1.32.39
